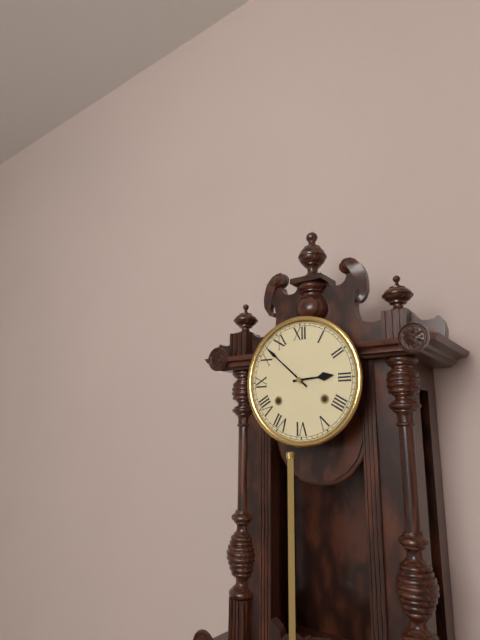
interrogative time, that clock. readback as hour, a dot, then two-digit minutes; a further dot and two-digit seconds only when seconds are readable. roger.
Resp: 2.52
